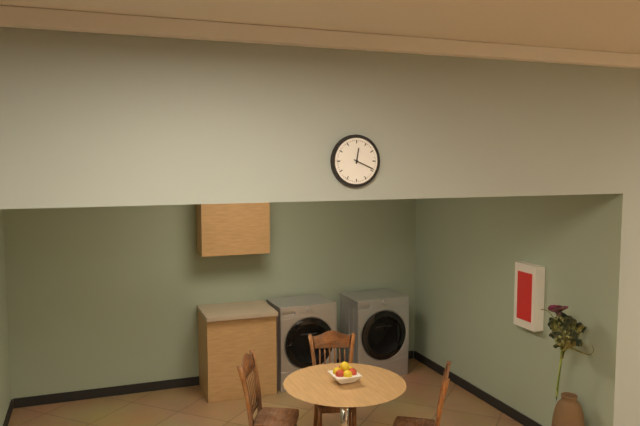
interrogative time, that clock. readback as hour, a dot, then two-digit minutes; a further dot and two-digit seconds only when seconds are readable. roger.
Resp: 12.19
